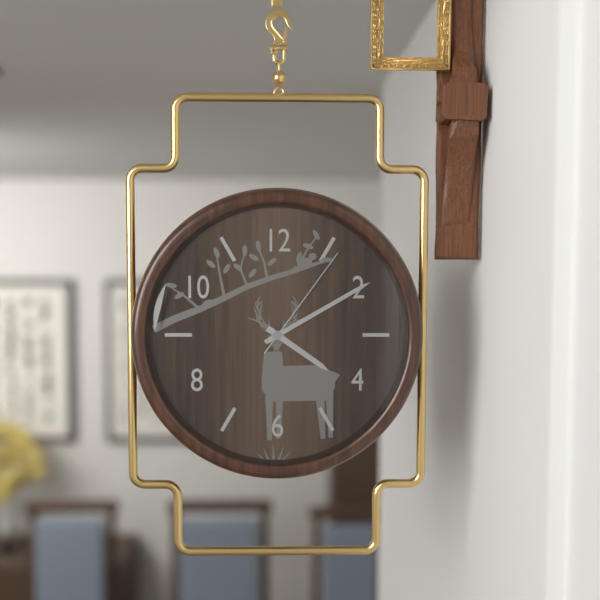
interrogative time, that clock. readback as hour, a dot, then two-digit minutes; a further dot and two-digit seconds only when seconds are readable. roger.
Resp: 4.10.06
